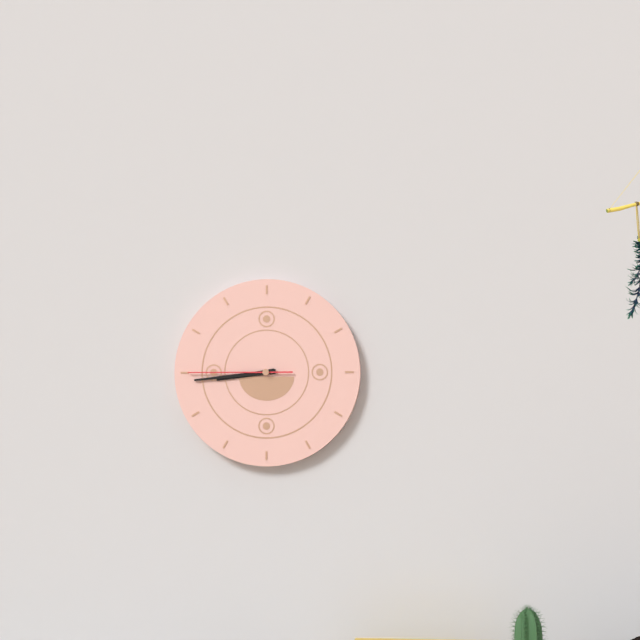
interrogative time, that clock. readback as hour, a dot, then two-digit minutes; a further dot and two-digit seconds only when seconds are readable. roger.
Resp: 8.44.45
